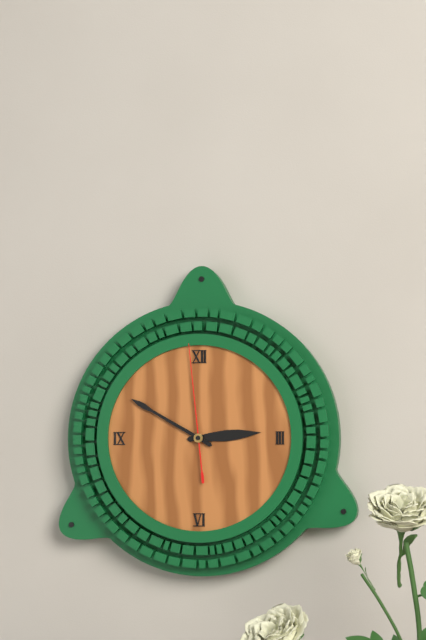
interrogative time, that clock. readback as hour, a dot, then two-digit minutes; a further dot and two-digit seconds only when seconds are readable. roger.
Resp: 2.50.59
